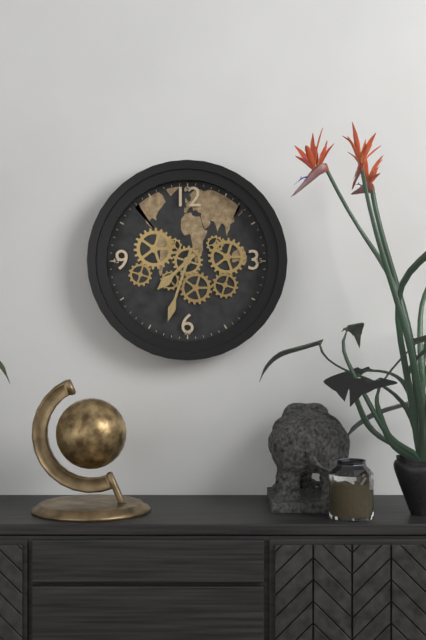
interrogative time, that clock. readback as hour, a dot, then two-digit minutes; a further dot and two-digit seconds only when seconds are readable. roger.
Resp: 7.33
